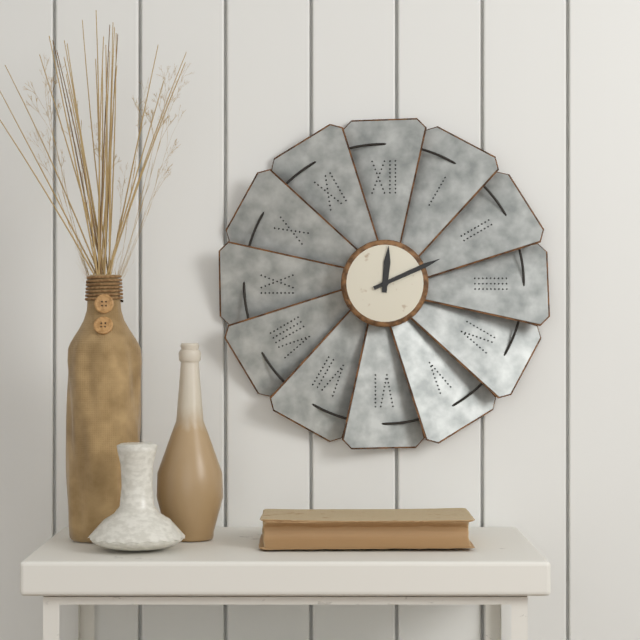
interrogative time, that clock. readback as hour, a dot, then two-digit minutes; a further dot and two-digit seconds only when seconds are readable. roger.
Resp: 12.11
